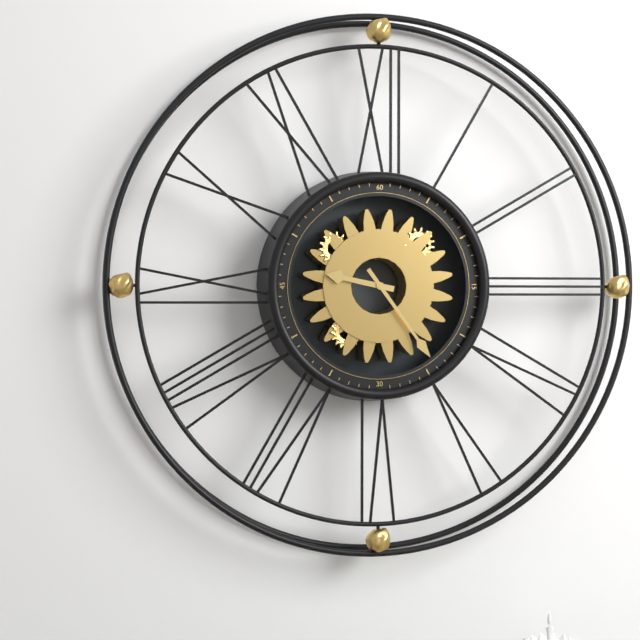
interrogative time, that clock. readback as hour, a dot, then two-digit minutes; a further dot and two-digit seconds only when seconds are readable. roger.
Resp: 9.24
